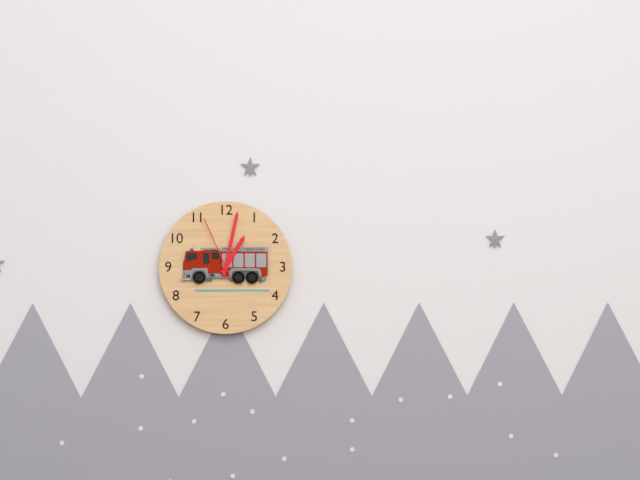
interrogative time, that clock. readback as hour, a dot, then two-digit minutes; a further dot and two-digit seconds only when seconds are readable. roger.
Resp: 1.02.56
